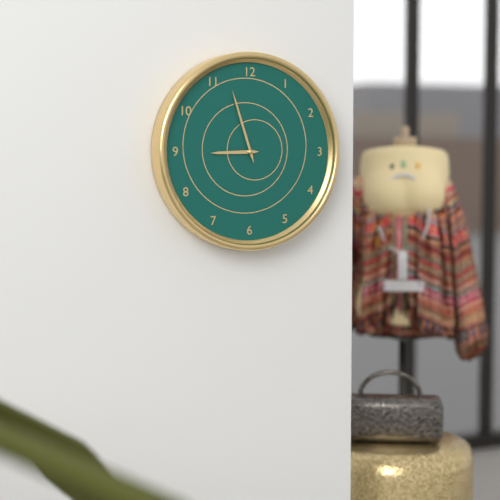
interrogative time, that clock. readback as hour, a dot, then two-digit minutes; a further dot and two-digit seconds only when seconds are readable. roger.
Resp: 8.57
